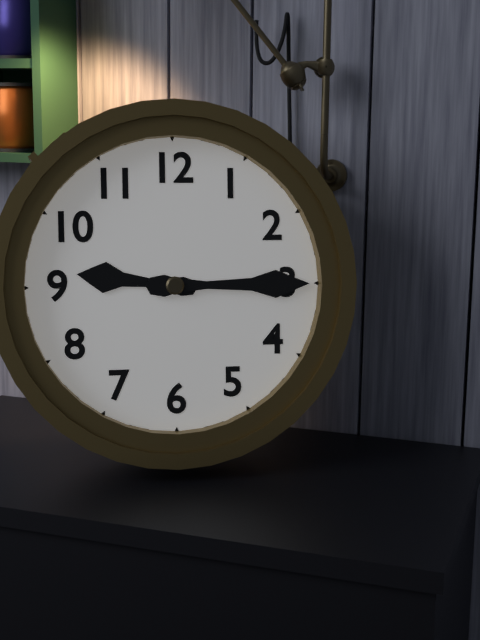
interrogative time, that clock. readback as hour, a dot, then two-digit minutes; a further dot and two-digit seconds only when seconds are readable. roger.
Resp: 9.15
